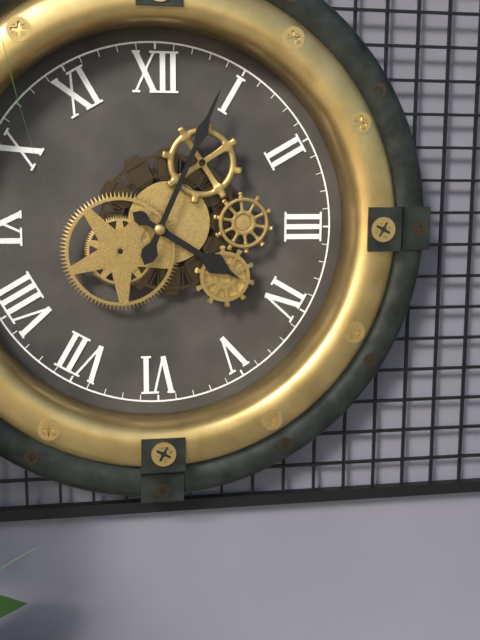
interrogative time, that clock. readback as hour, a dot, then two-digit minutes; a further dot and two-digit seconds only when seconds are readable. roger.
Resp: 4.04
